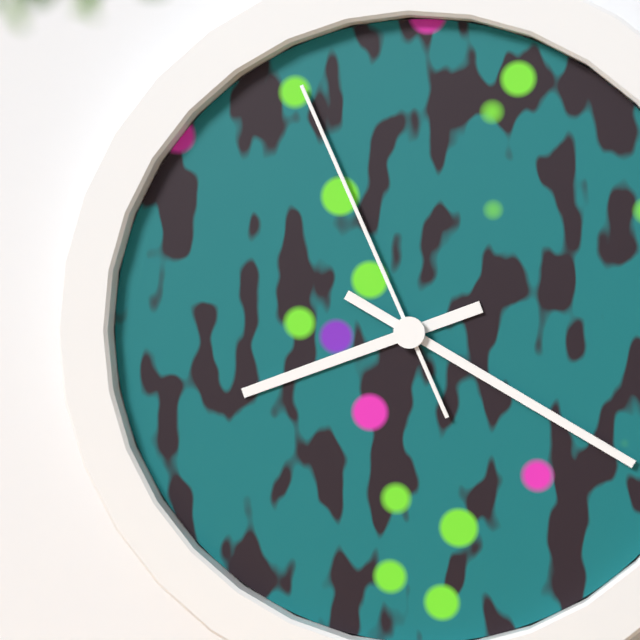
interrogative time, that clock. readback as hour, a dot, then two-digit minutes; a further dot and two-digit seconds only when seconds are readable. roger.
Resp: 8.20.56
